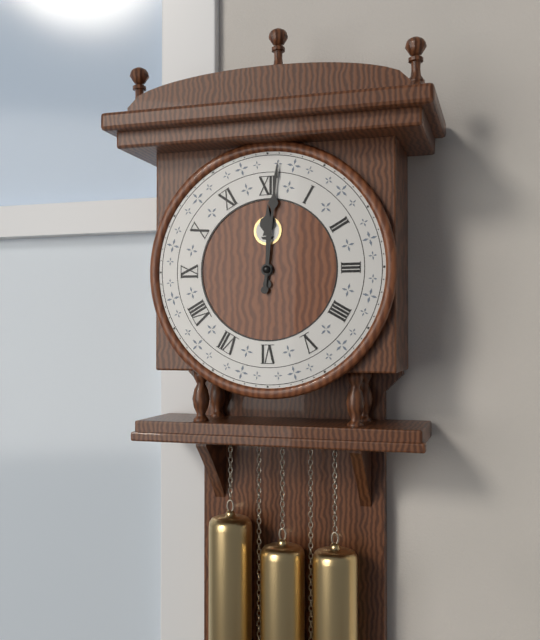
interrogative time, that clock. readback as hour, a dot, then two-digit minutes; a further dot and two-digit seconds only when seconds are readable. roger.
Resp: 12.01
